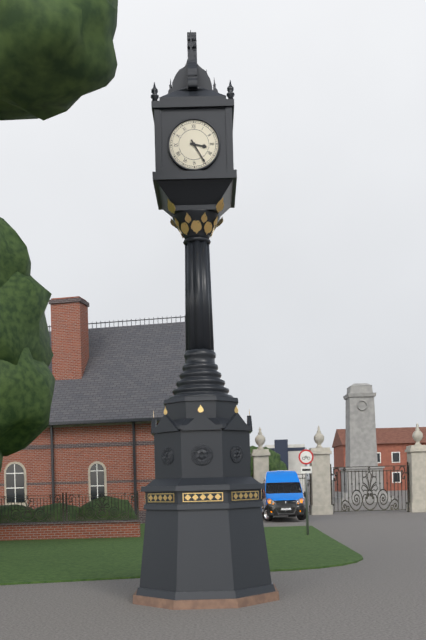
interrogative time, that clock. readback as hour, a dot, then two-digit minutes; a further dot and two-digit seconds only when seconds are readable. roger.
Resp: 3.25
